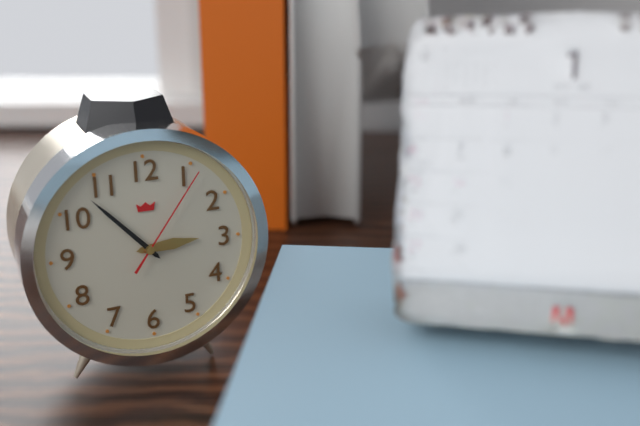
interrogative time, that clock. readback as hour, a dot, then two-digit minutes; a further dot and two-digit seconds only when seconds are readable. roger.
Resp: 2.53.06
